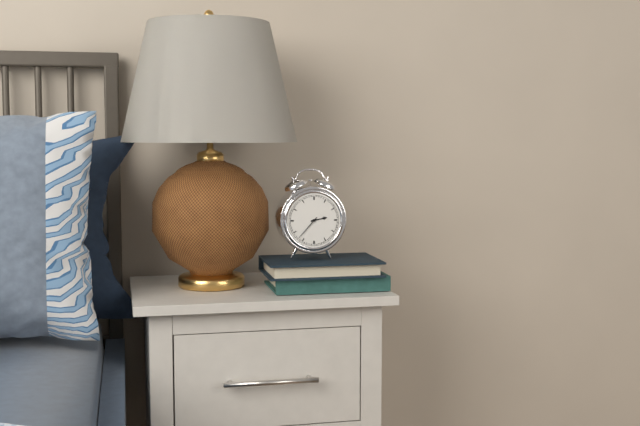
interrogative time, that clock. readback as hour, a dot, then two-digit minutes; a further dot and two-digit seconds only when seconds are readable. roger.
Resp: 2.37
